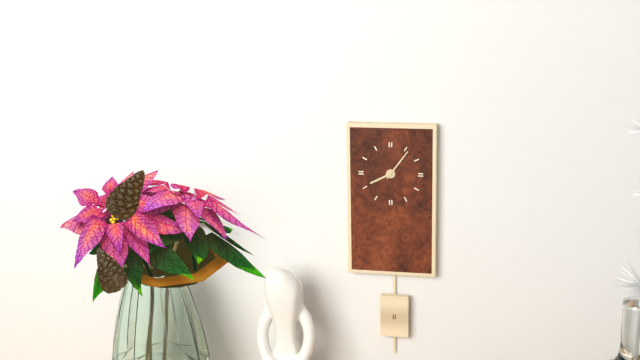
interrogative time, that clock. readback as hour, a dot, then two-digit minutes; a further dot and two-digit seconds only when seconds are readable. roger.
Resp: 8.06
